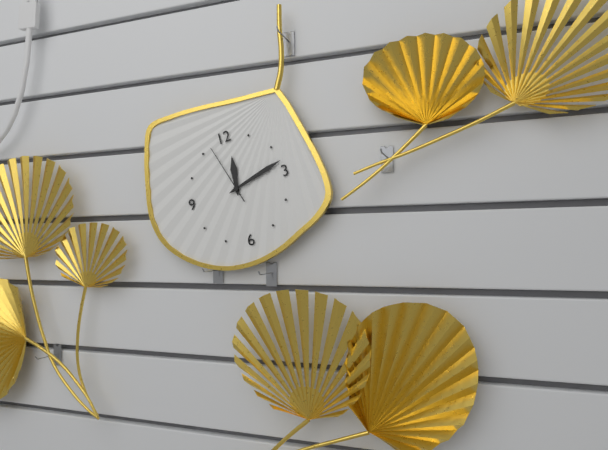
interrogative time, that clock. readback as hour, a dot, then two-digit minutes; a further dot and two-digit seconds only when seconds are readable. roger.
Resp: 12.13.57
